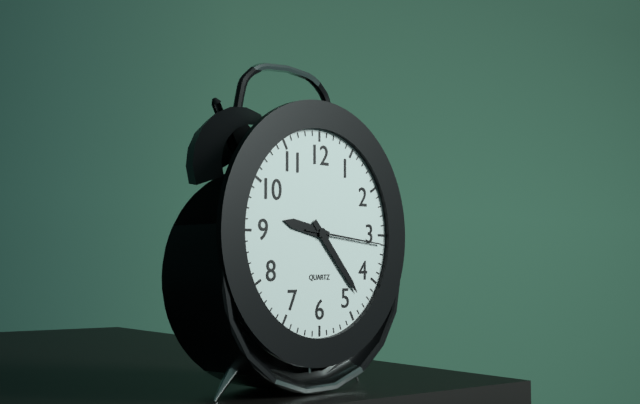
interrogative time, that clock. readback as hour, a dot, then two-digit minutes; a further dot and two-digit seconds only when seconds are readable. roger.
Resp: 9.23.16
